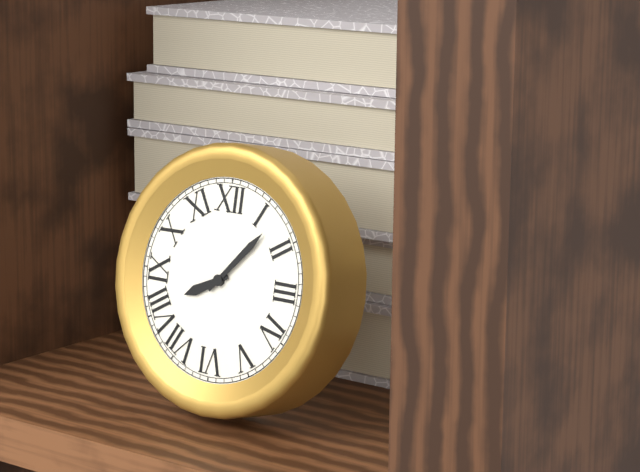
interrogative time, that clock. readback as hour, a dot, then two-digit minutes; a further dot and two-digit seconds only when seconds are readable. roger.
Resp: 8.07
